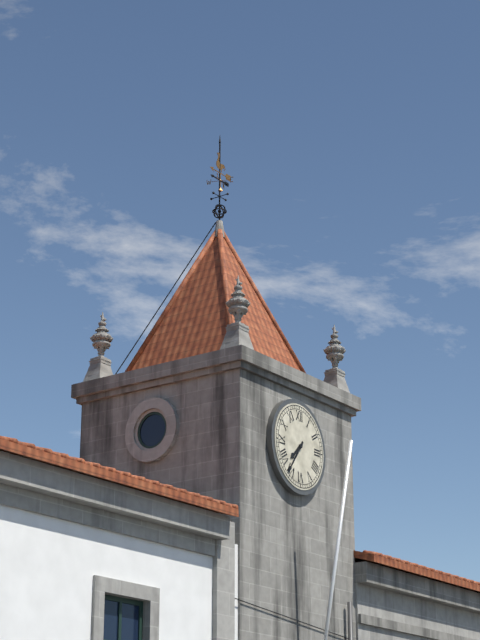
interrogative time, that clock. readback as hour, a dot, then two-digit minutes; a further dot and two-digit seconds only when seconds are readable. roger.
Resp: 7.36
